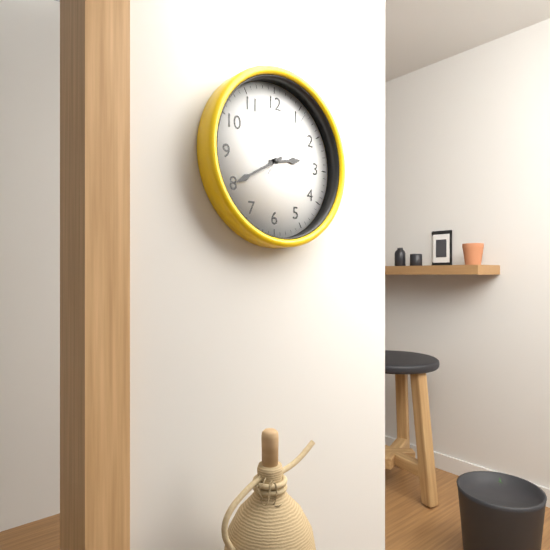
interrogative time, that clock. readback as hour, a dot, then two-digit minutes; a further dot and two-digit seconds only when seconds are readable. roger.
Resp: 2.40.06
